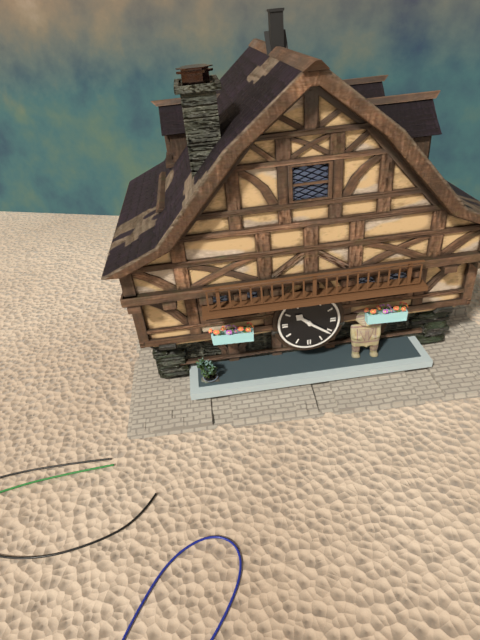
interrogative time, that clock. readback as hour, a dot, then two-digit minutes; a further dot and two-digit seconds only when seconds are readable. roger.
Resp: 10.21
